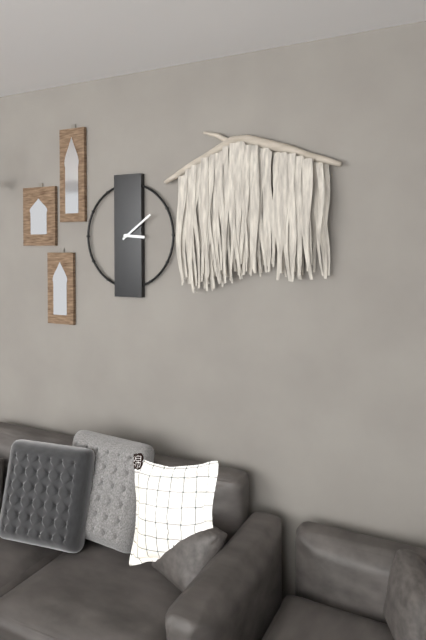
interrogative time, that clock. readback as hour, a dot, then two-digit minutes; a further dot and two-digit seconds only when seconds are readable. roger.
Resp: 3.09
